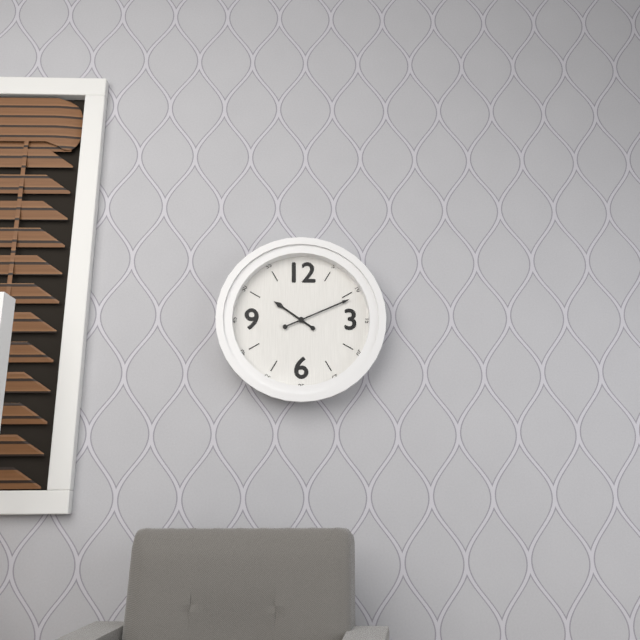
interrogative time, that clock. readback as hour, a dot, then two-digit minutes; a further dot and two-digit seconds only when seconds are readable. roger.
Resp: 10.11
